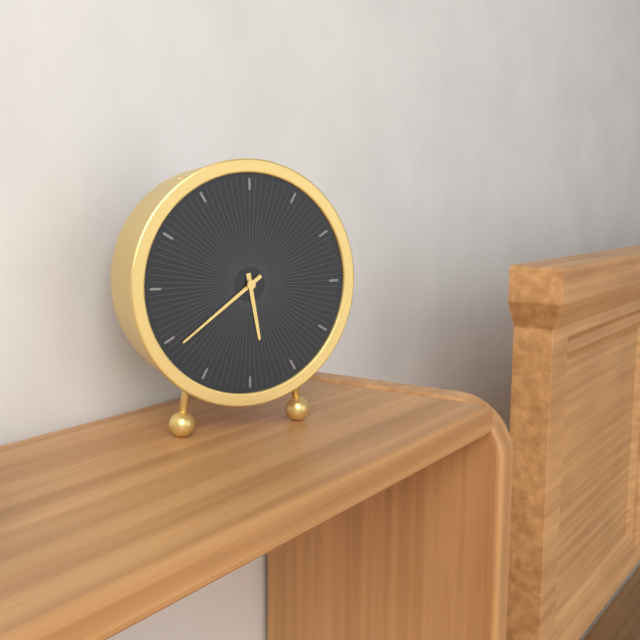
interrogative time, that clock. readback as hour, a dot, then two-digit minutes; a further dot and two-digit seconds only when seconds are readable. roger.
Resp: 5.39
